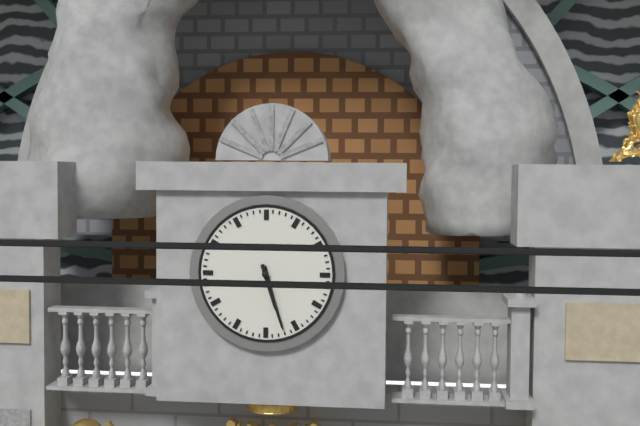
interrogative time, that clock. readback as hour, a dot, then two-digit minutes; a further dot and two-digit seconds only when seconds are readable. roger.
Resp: 5.27
